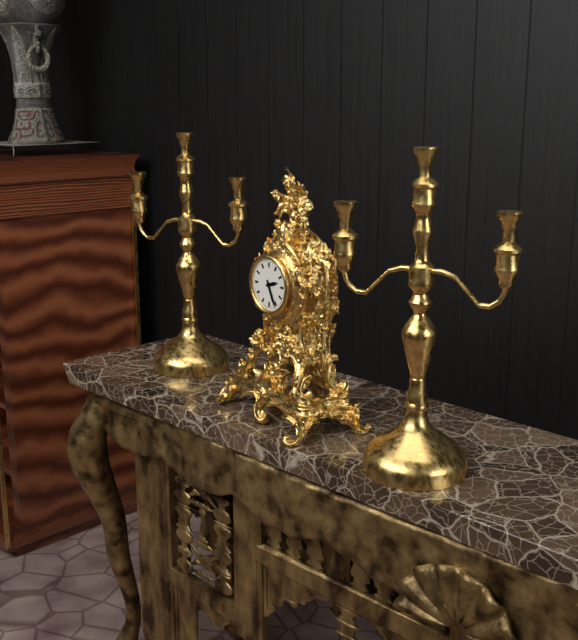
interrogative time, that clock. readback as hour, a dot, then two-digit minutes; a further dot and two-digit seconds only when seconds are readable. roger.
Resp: 2.26
